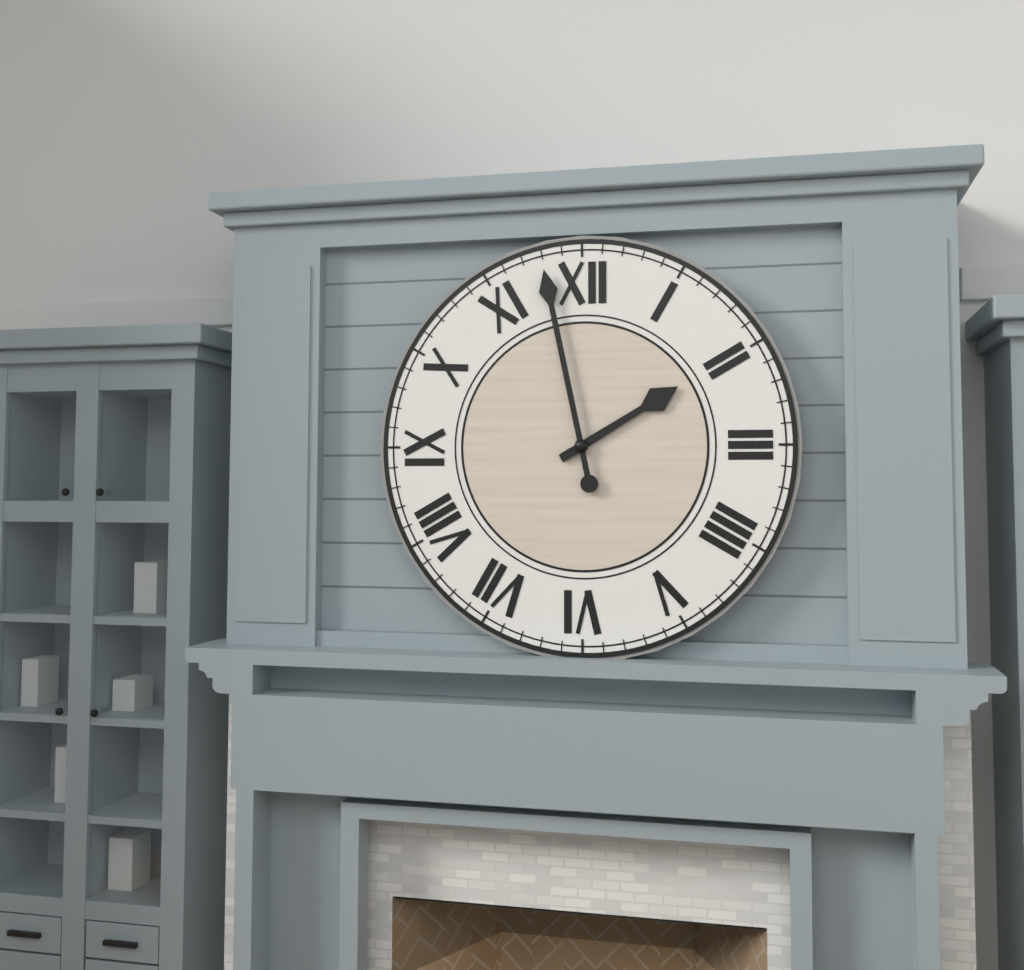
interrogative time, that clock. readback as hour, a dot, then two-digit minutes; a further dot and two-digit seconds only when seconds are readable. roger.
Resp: 1.58
